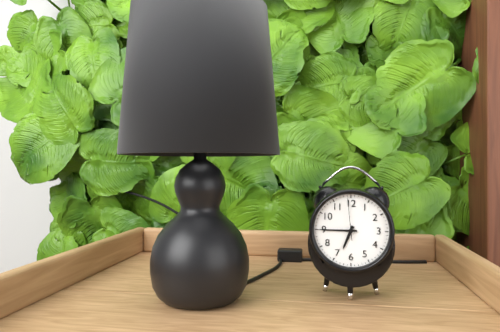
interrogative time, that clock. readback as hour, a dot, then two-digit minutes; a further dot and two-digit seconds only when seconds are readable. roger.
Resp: 6.45
